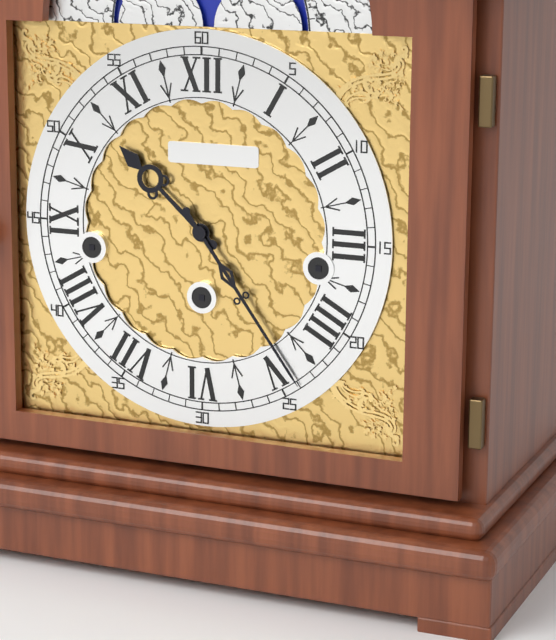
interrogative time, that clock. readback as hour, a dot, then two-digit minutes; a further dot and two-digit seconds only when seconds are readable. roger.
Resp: 10.24
